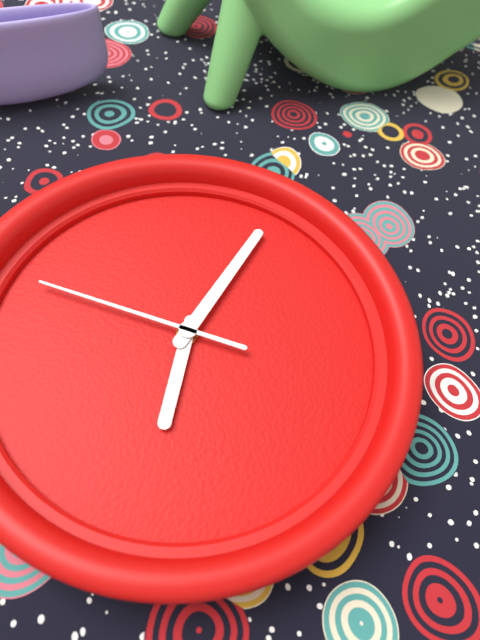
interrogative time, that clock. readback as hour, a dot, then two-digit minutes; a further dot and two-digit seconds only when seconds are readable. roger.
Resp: 7.09.52
